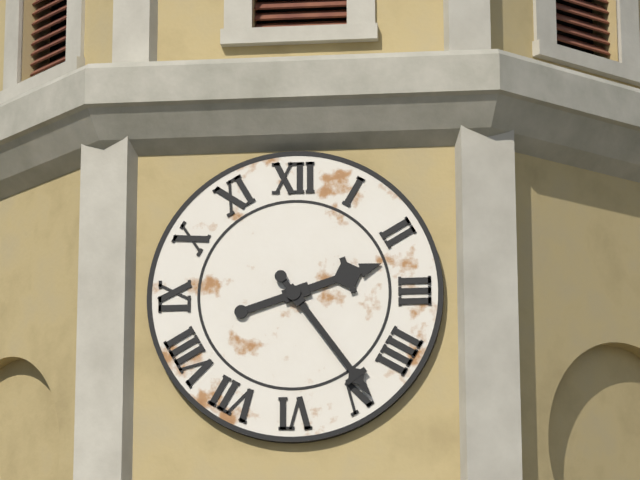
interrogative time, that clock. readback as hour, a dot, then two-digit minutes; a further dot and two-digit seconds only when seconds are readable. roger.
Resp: 2.24
